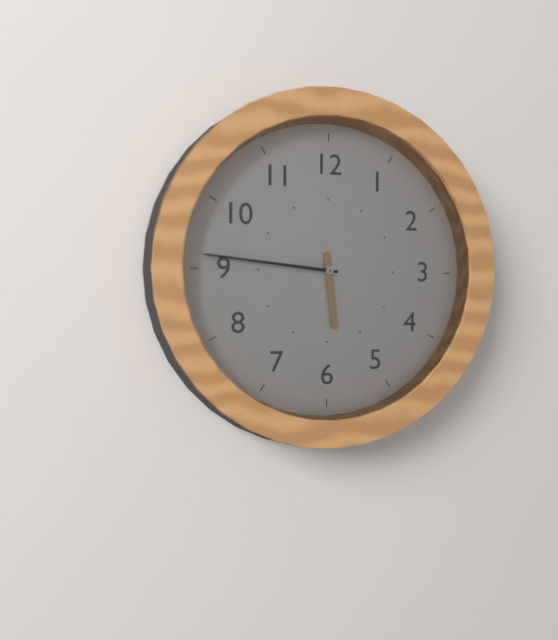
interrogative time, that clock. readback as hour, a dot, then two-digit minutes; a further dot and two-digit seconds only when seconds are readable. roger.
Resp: 5.46
